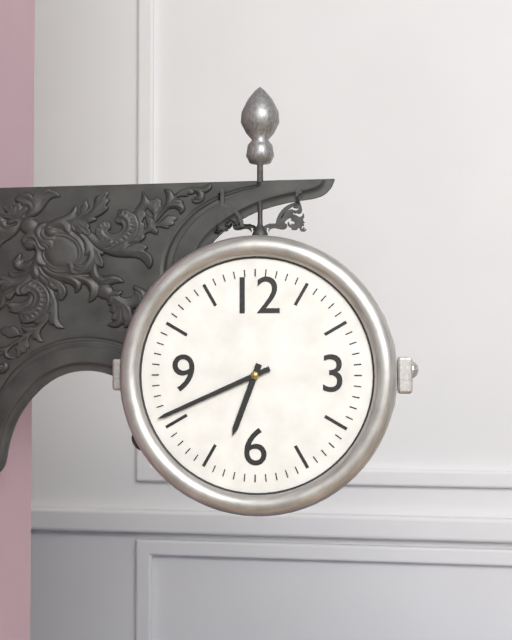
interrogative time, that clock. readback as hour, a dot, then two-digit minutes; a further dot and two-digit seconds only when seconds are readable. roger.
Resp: 6.41
